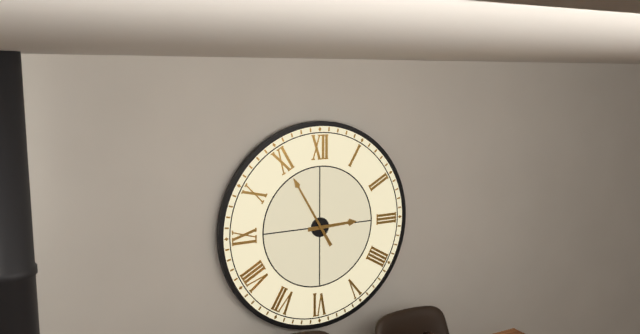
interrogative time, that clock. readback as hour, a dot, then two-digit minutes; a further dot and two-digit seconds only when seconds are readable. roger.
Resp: 2.55
